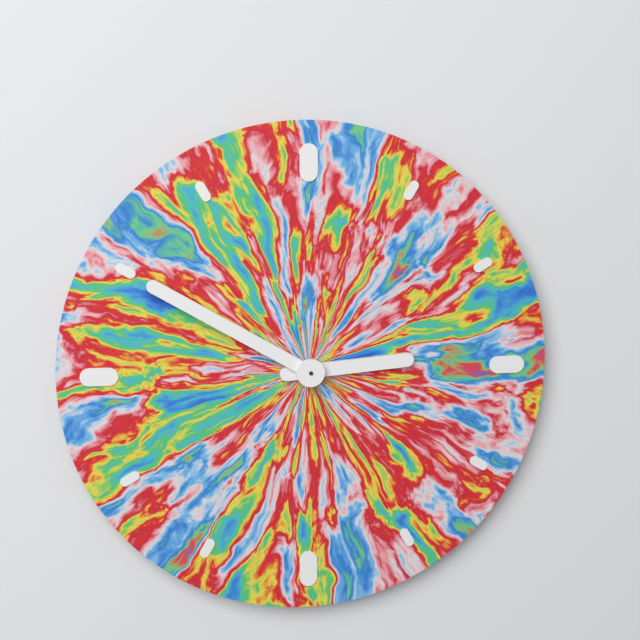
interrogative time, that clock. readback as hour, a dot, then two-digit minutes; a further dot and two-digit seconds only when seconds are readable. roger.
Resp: 2.50
